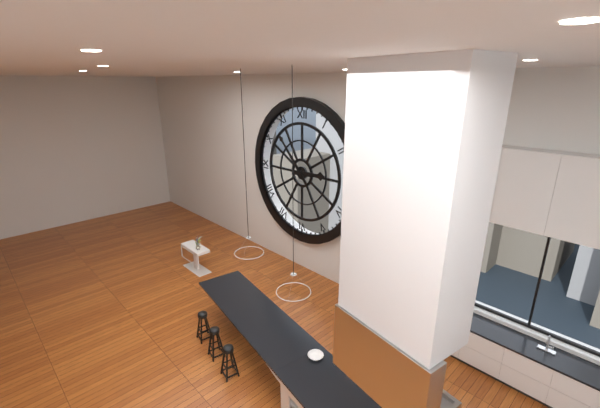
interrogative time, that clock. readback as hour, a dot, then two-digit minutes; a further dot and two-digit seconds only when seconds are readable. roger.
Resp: 2.53
